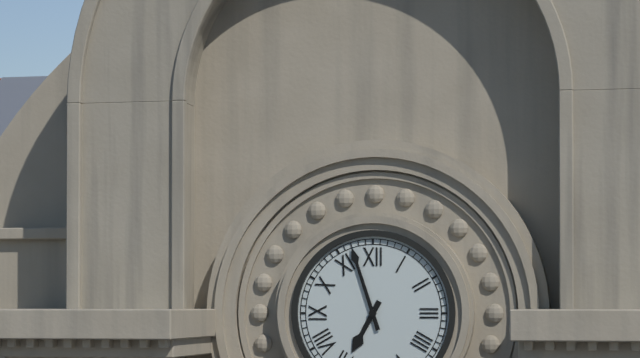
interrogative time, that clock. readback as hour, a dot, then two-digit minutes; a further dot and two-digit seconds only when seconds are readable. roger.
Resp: 6.57
